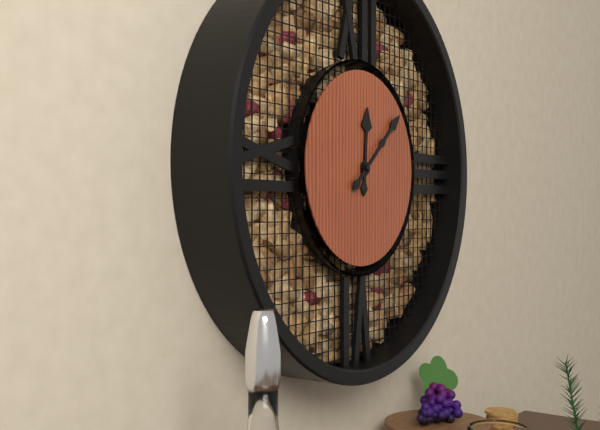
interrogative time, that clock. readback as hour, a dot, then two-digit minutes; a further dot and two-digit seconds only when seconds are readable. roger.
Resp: 12.08
